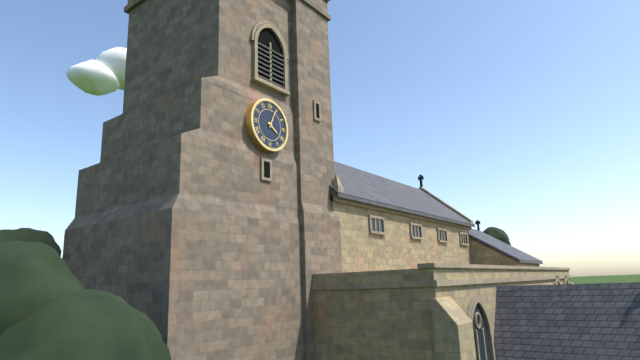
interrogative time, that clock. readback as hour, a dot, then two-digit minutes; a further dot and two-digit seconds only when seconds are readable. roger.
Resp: 4.04
